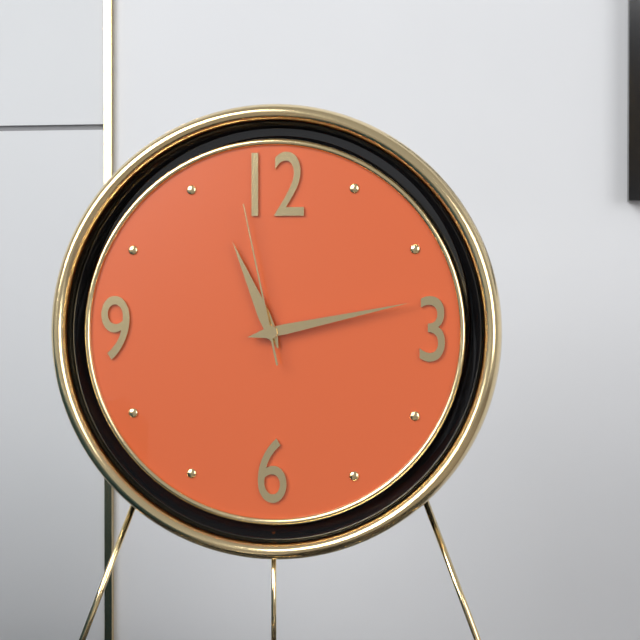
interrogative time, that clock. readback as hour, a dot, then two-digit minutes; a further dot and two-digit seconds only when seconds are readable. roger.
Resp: 11.13.58
